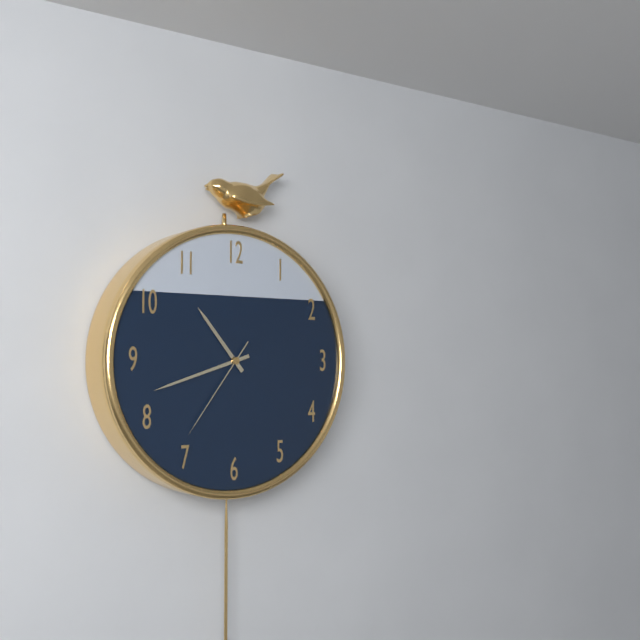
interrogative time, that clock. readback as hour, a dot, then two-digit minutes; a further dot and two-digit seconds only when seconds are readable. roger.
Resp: 10.42.36
